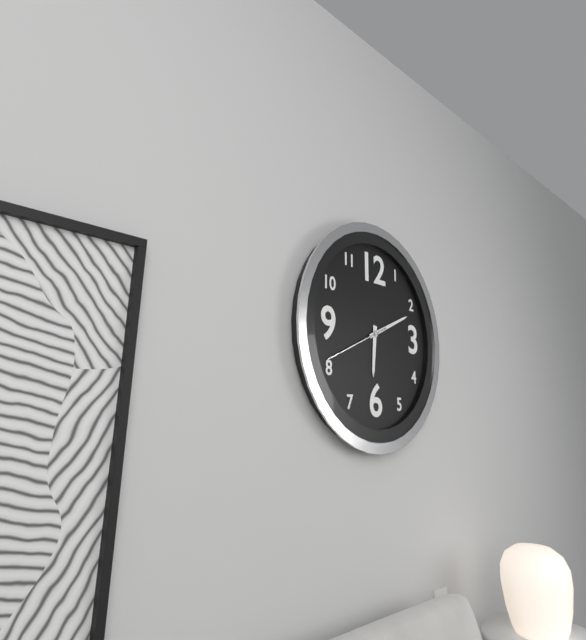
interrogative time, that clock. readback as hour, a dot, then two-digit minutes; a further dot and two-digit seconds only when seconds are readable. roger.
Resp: 6.11.41
